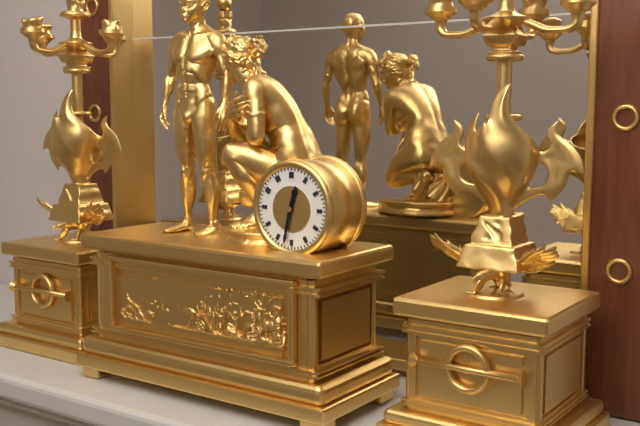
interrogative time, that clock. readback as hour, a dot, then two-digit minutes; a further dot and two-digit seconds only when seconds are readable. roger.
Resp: 12.32
